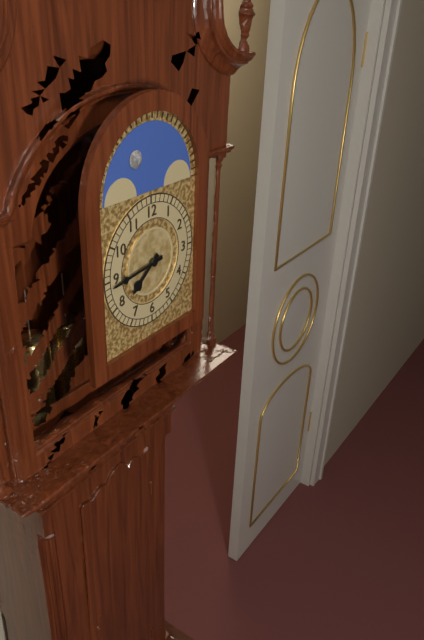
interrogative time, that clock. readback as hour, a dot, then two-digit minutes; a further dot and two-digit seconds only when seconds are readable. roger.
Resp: 7.44
